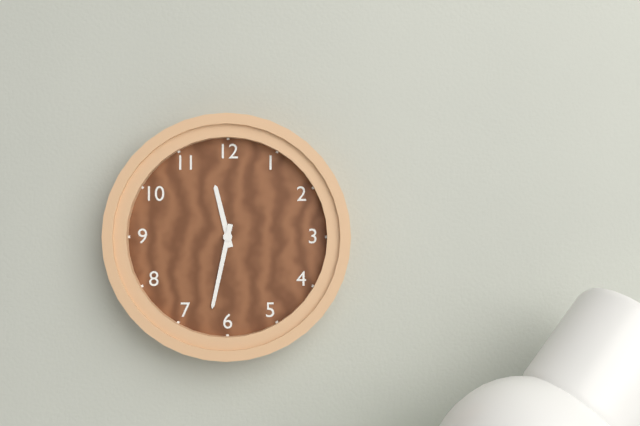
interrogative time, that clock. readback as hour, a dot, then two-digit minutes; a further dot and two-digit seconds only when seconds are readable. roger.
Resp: 11.32
